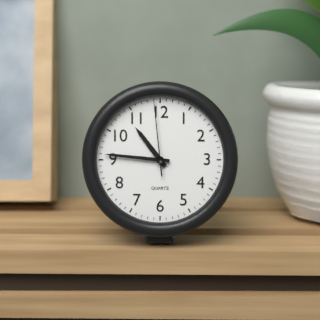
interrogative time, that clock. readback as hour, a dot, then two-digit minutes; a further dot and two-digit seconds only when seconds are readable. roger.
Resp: 10.46.59
